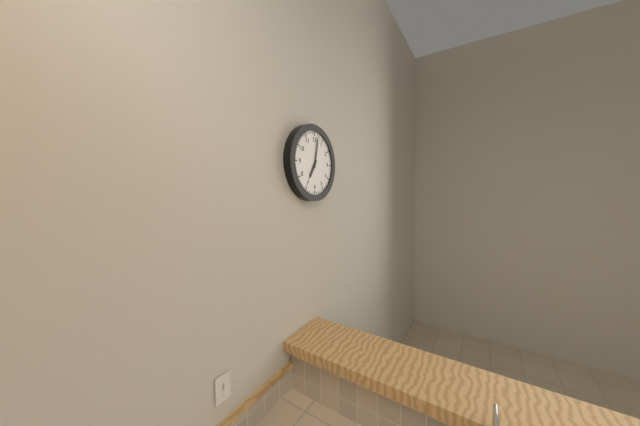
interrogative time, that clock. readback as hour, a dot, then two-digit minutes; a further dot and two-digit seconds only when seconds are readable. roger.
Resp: 7.02
